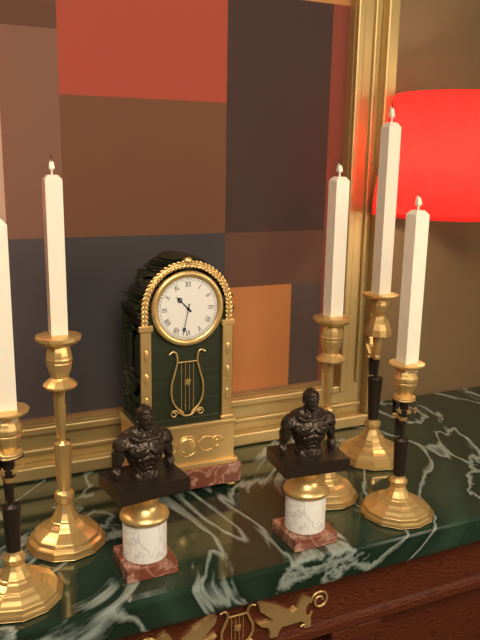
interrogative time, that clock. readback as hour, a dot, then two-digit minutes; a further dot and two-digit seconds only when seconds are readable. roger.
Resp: 10.32
